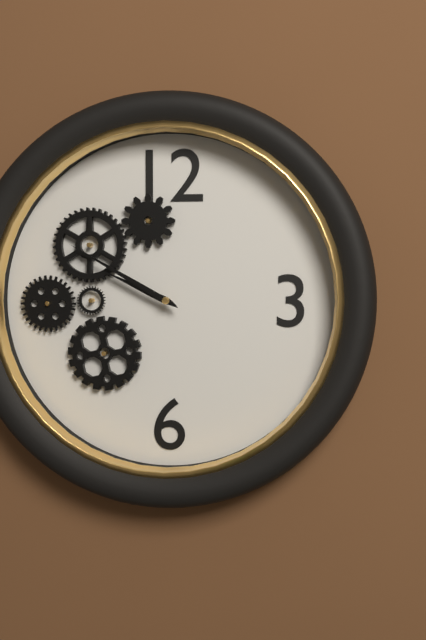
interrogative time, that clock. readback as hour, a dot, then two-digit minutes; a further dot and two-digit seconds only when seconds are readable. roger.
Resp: 9.50
